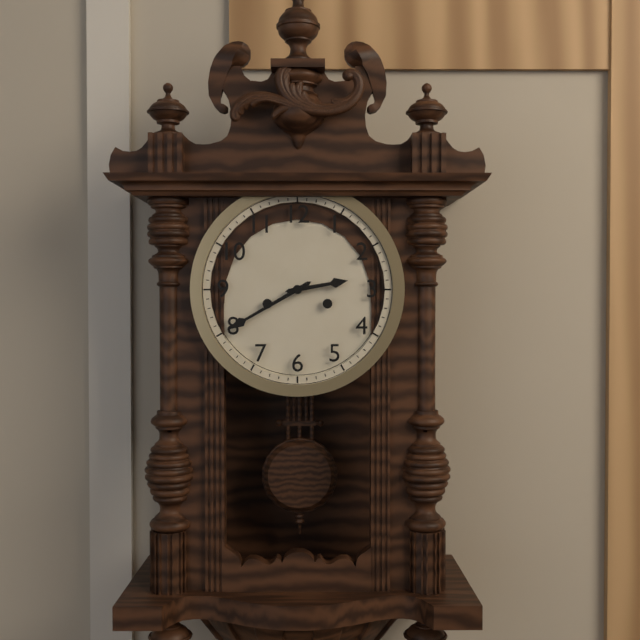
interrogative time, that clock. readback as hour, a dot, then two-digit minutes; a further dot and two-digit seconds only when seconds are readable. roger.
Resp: 2.40
